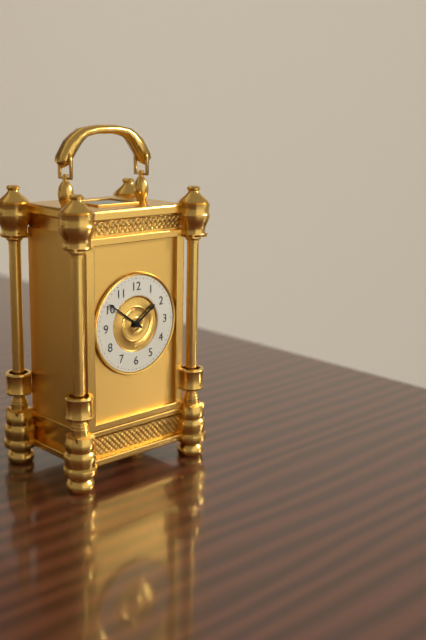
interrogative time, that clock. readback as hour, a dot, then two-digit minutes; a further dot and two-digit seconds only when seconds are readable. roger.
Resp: 1.51
